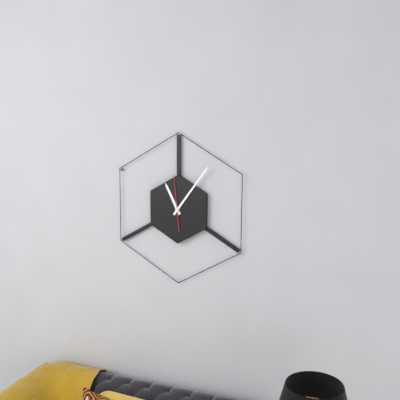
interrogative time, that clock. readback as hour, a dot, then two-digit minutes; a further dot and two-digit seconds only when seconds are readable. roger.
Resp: 11.06
